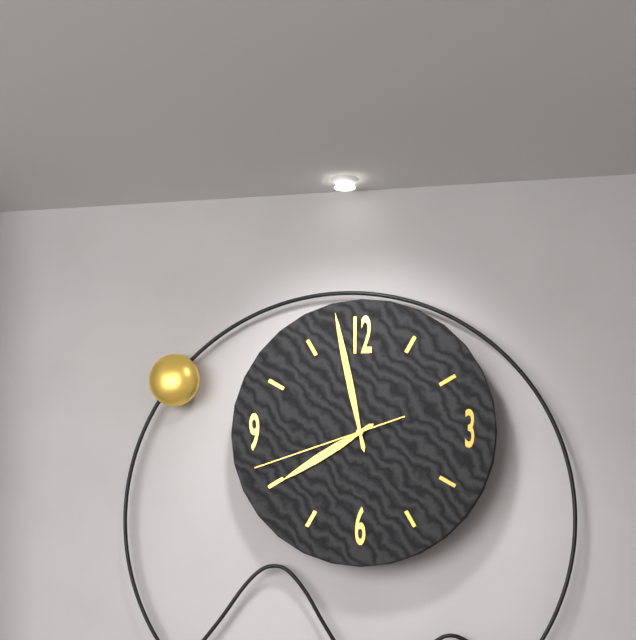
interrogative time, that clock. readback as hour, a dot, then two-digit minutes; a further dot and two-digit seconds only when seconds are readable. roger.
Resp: 7.58.42
